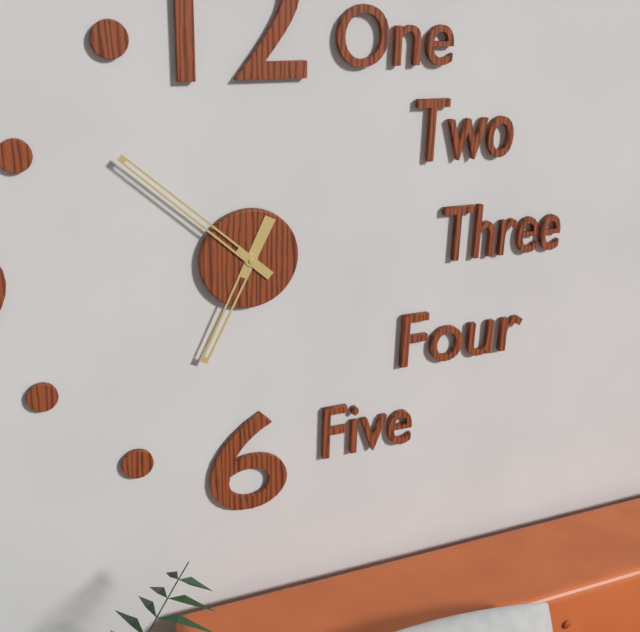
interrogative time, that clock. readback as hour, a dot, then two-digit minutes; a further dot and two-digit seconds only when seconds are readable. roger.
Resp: 6.52
